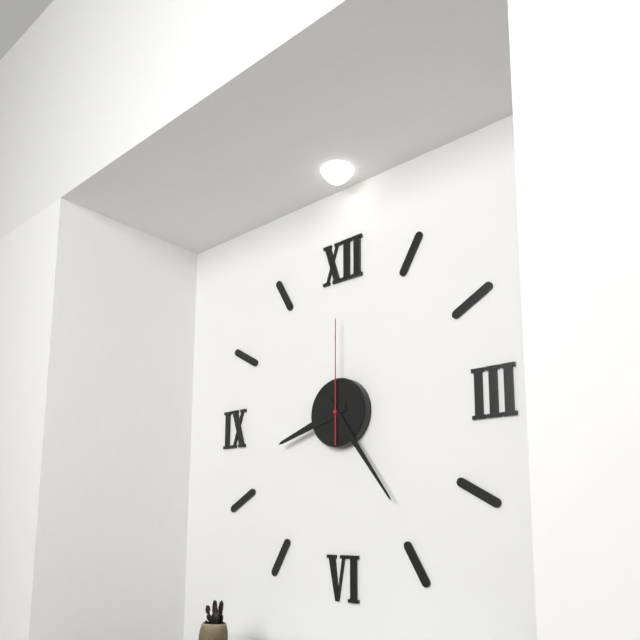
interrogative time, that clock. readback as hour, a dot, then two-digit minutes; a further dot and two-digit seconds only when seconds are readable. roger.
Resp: 8.24.00
